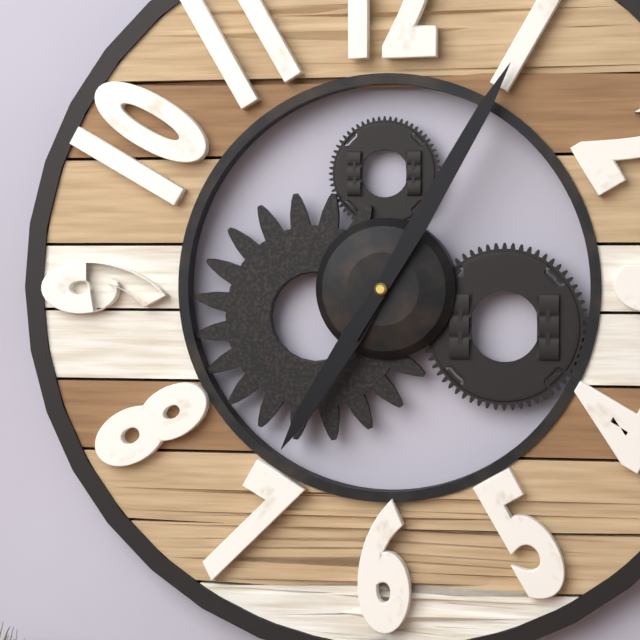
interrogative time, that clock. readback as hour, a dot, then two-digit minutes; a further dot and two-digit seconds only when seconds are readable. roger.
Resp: 7.05
